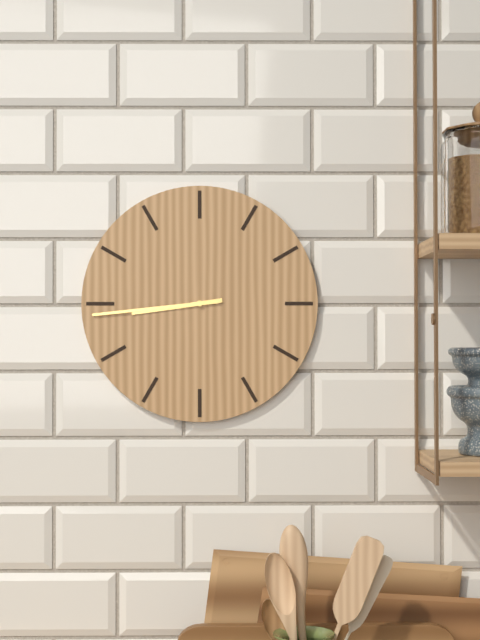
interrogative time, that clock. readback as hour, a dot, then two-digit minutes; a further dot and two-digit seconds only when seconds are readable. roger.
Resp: 8.44
